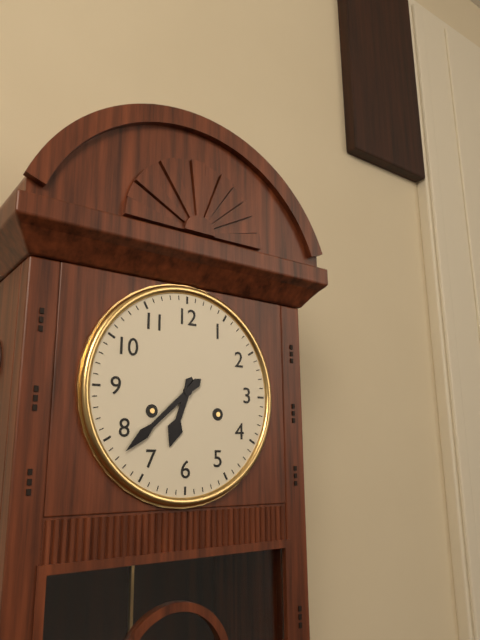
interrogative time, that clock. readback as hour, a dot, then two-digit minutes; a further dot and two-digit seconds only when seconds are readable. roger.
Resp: 6.38
